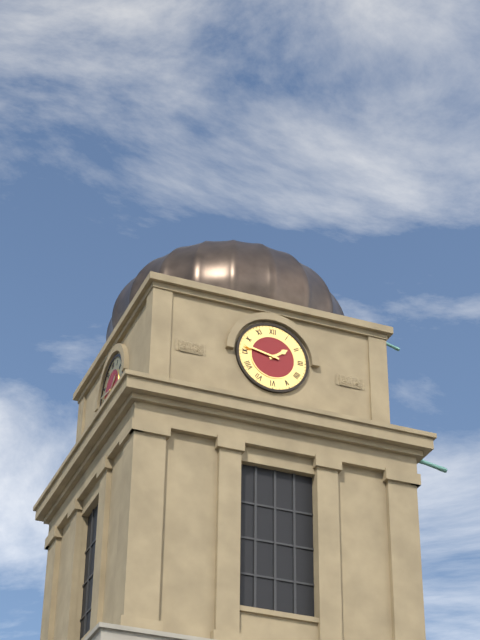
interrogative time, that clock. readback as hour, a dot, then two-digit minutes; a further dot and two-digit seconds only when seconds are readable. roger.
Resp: 1.47
